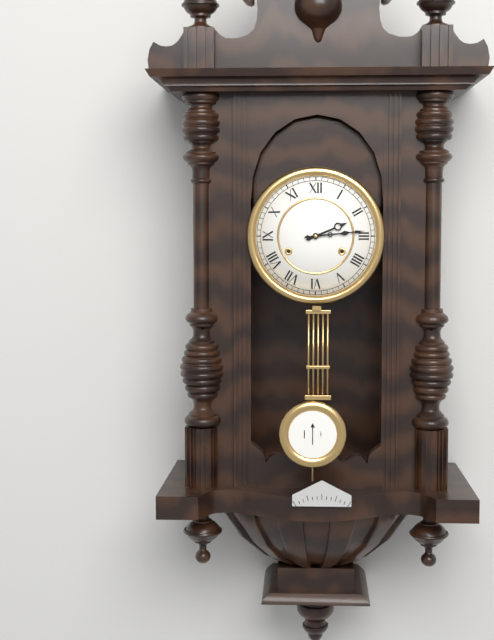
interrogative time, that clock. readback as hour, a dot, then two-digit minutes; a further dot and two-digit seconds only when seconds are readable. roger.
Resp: 2.14
